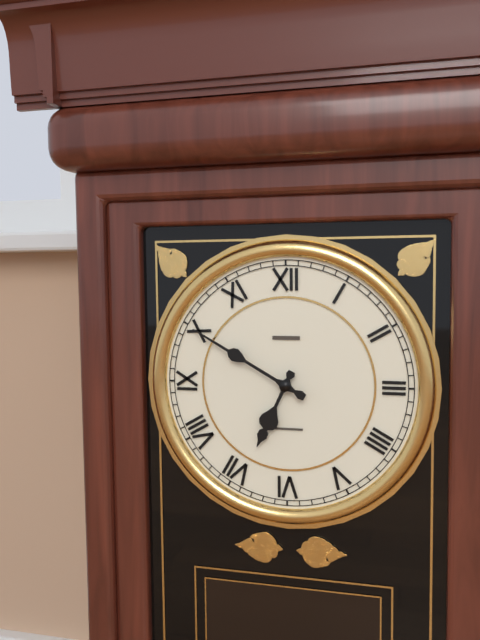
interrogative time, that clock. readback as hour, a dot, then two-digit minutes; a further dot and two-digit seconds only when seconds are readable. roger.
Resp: 6.50
